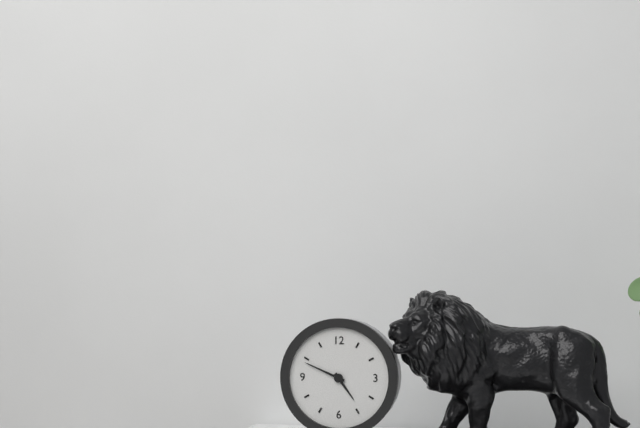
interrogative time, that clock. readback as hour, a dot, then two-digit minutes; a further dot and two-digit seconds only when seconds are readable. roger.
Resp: 4.49
